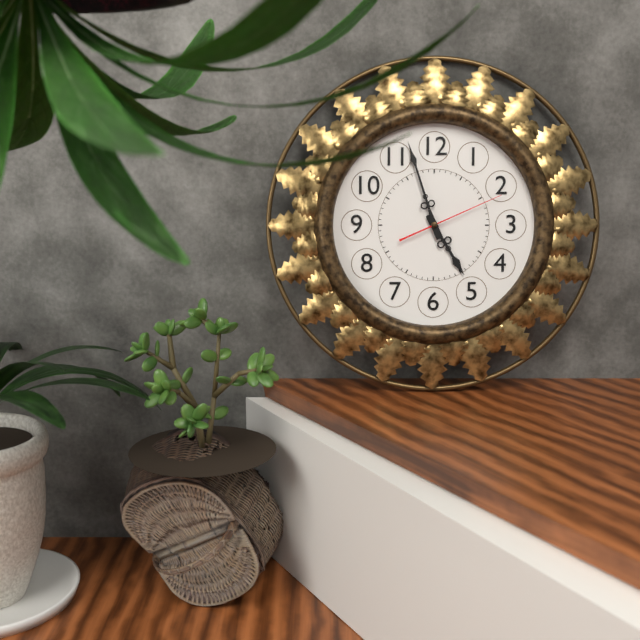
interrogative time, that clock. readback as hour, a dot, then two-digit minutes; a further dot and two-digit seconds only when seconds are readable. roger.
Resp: 4.57.11
